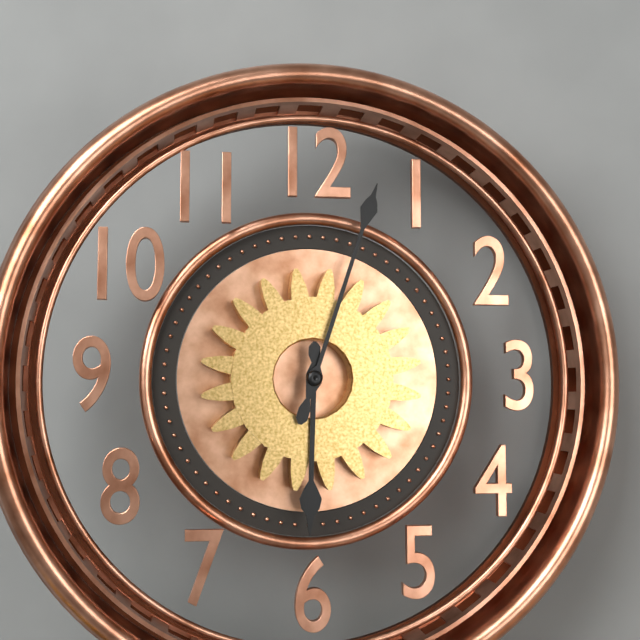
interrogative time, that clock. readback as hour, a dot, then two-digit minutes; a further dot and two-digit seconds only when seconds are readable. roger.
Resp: 6.03
